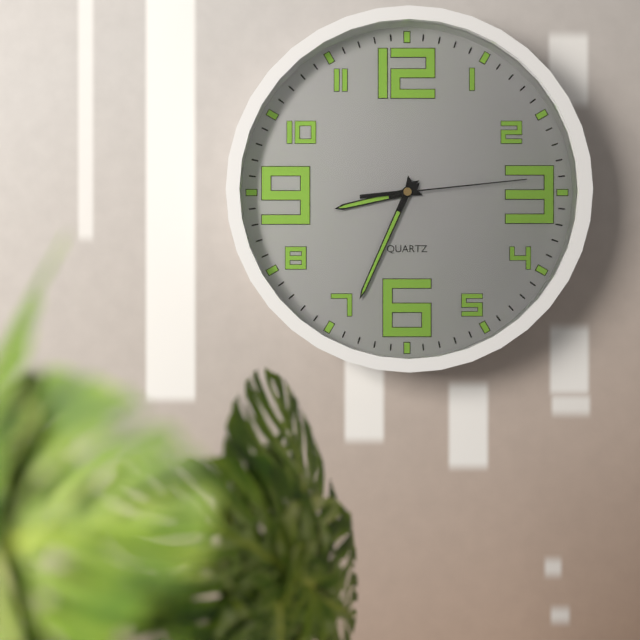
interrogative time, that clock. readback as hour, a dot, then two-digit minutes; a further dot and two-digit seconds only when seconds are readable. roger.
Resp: 8.34.14
